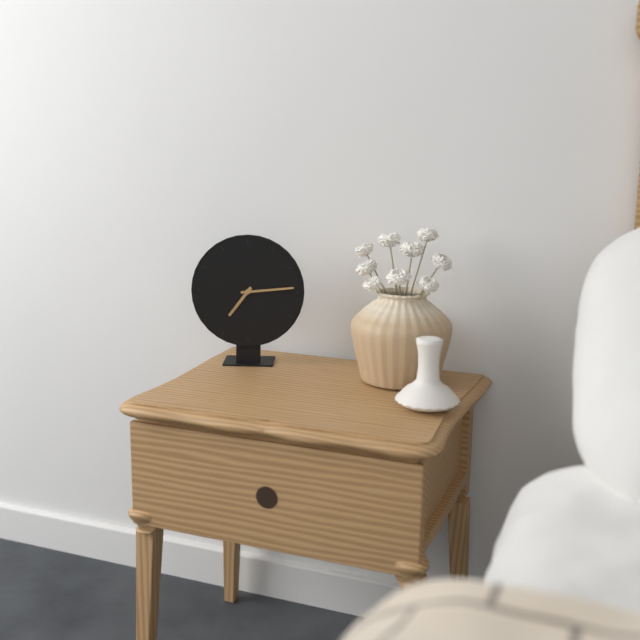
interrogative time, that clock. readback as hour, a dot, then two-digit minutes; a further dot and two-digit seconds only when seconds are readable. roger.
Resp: 7.14
